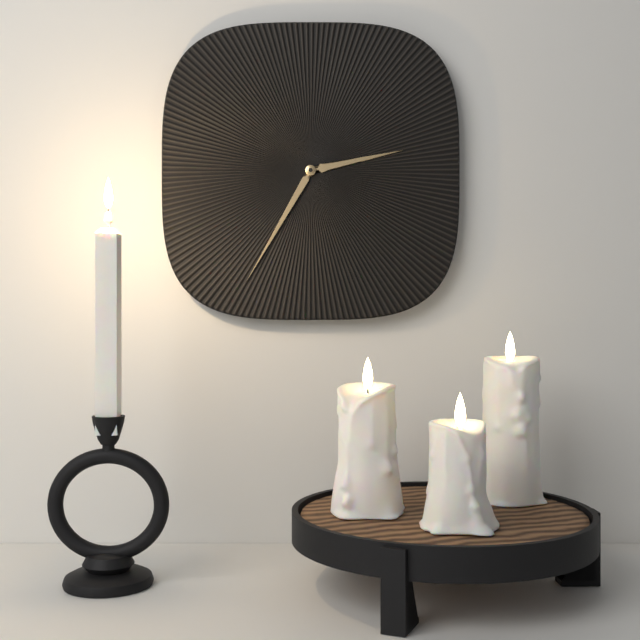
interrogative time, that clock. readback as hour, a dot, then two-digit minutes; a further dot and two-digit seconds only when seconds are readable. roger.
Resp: 2.35
